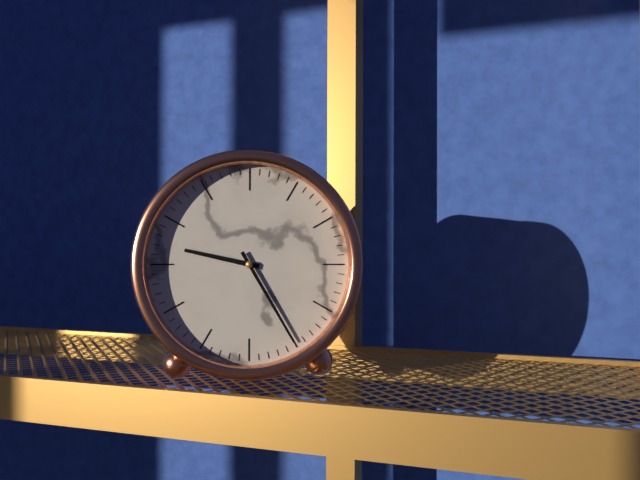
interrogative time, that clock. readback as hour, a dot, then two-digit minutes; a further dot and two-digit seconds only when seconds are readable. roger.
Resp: 9.25
